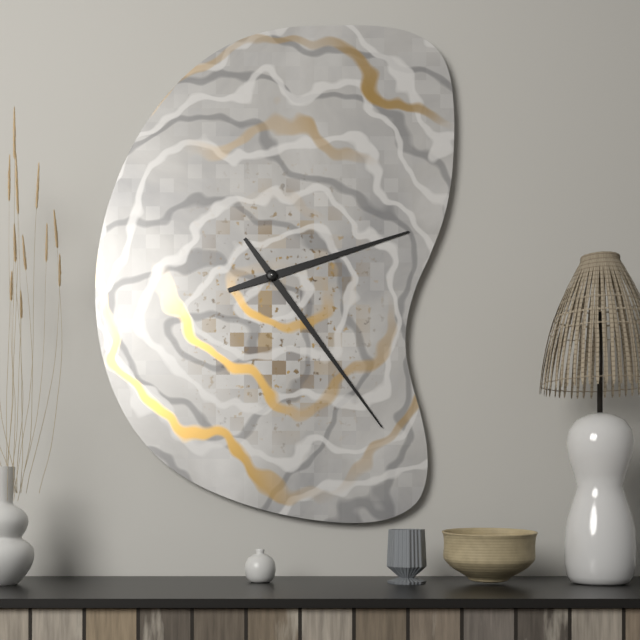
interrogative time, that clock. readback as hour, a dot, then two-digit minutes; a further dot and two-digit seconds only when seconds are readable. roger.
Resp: 2.24
